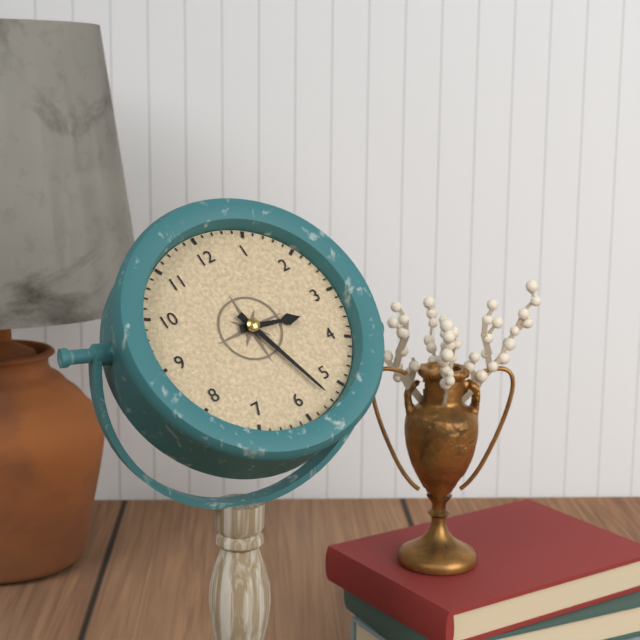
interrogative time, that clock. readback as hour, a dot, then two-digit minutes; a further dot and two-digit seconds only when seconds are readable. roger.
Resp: 3.27
